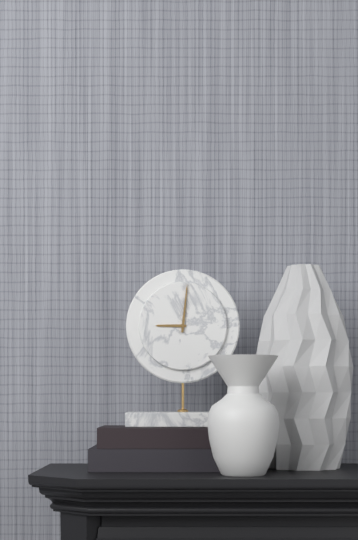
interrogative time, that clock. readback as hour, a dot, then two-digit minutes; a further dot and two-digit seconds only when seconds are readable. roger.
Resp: 9.01
